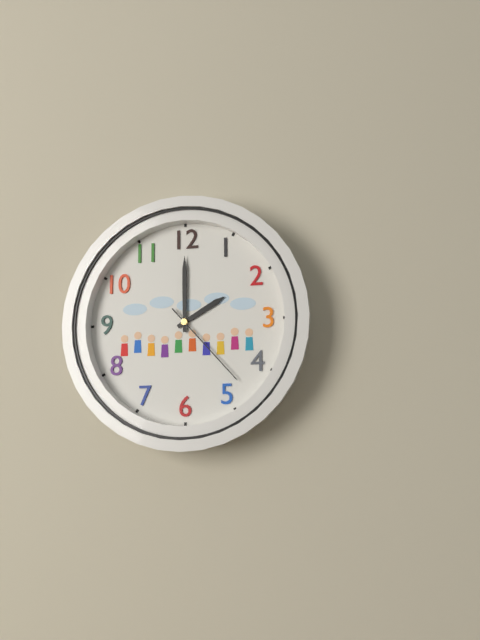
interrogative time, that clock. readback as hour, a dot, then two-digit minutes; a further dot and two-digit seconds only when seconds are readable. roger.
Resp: 2.00.23
